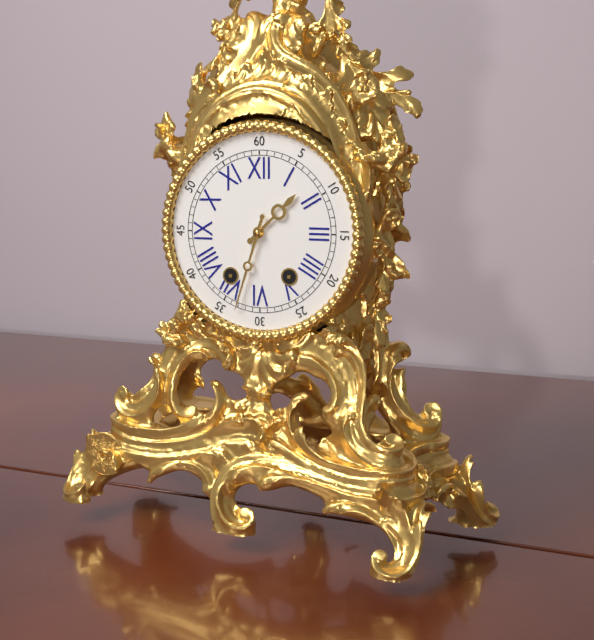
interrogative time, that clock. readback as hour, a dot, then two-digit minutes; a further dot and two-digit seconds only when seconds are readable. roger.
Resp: 1.33
